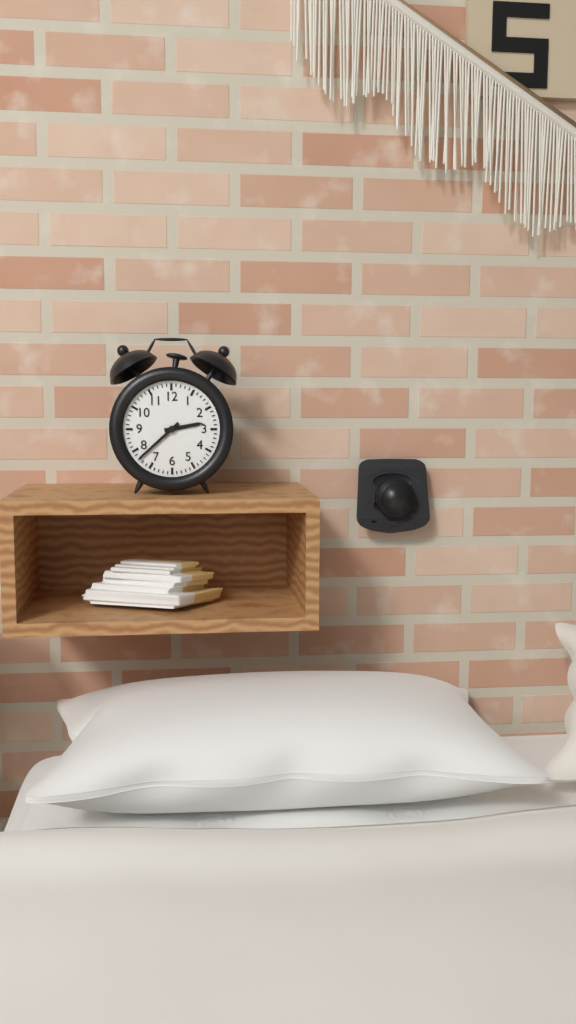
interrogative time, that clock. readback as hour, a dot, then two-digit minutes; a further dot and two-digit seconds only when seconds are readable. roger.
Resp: 2.38
